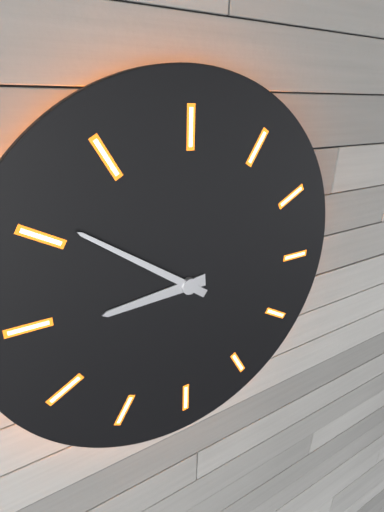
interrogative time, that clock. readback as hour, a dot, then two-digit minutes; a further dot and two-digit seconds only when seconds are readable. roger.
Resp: 8.51
